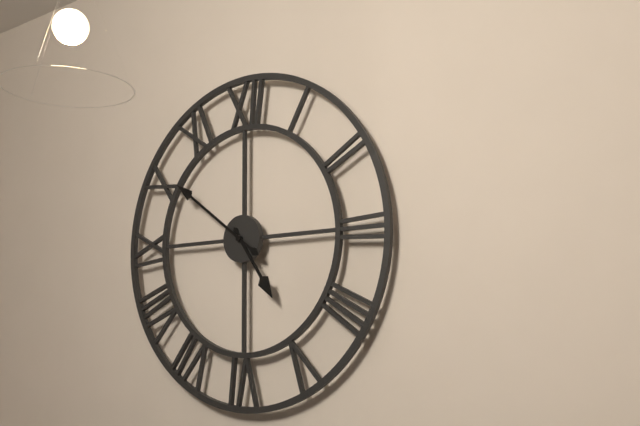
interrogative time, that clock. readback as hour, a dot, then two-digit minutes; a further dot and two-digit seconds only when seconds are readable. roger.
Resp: 4.51
